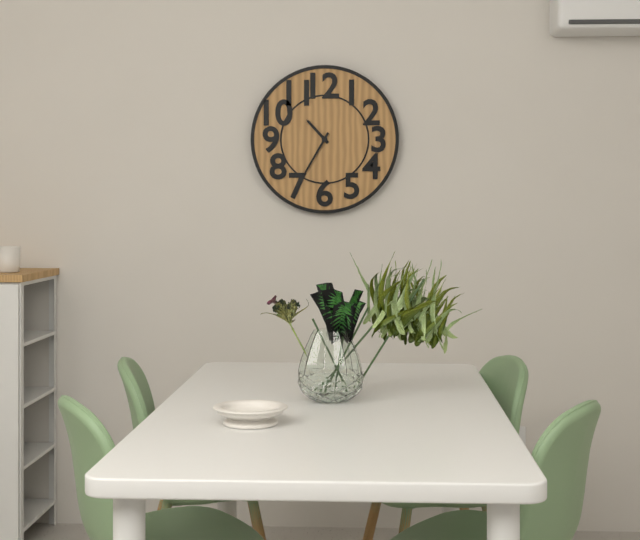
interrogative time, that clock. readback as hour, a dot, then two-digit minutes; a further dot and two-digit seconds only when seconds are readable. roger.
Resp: 10.35
